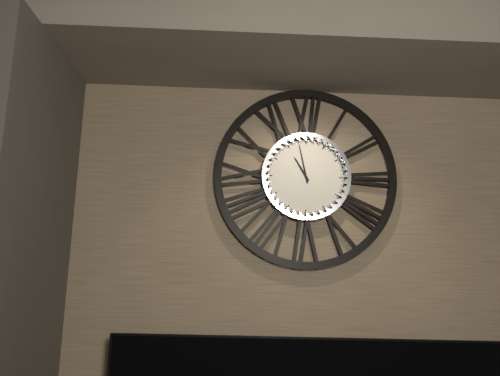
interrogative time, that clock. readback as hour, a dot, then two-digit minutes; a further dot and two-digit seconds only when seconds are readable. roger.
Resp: 10.58
